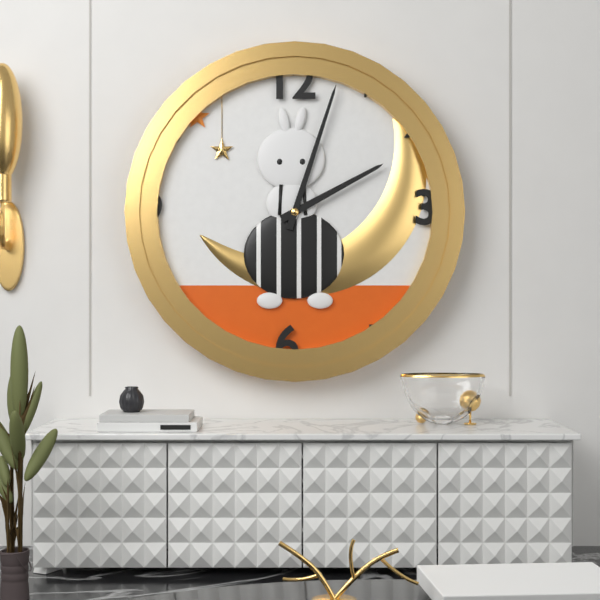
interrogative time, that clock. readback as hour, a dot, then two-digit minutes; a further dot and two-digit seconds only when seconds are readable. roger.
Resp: 2.03
